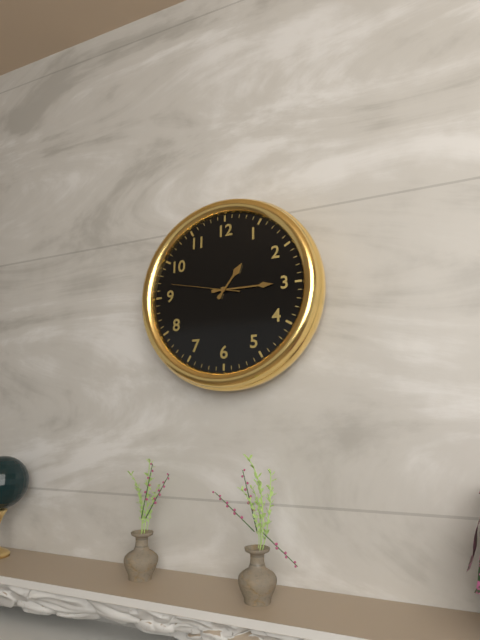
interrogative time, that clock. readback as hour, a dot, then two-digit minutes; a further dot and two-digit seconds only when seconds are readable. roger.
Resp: 1.15.47
